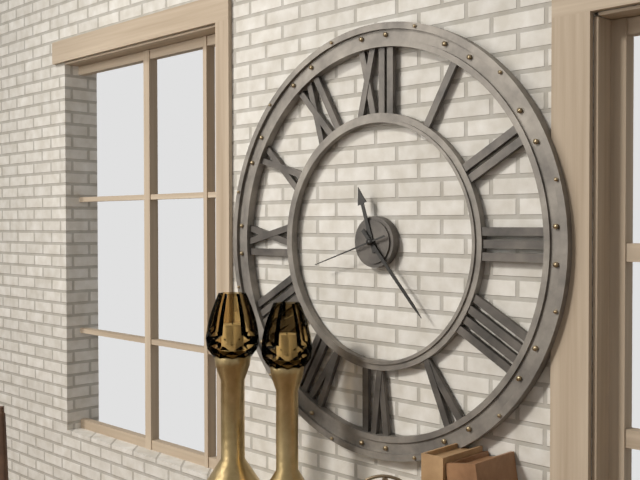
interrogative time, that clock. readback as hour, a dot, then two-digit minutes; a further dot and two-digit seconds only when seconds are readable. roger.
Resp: 11.23.42
